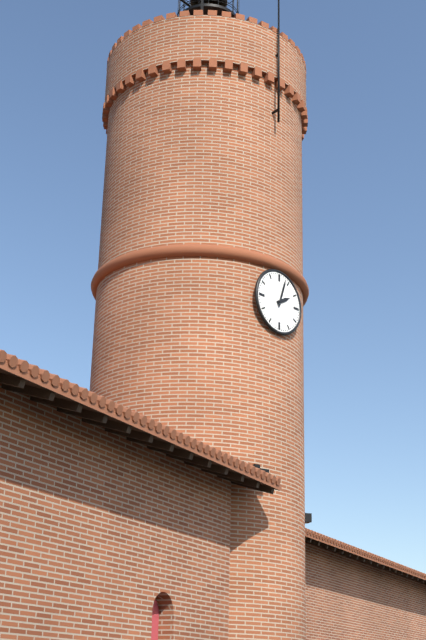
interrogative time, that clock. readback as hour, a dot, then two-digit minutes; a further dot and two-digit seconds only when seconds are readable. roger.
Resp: 2.03
